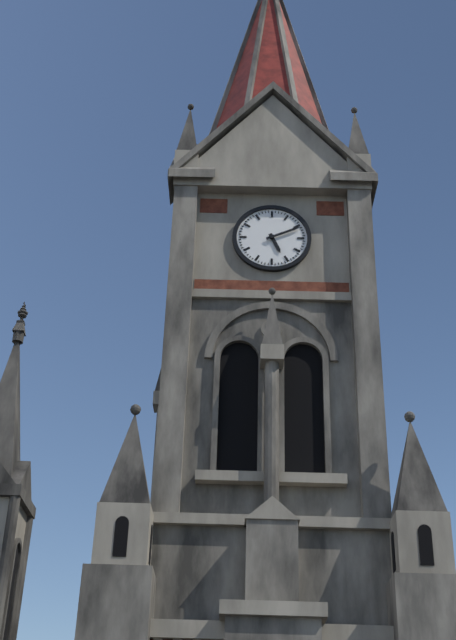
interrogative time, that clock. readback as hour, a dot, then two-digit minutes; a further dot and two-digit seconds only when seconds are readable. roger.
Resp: 5.11
